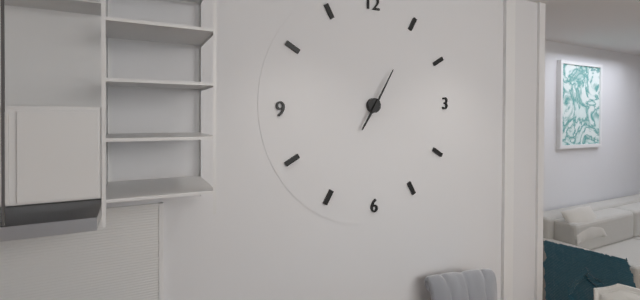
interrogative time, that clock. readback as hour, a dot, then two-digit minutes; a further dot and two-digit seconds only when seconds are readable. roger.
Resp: 7.05
